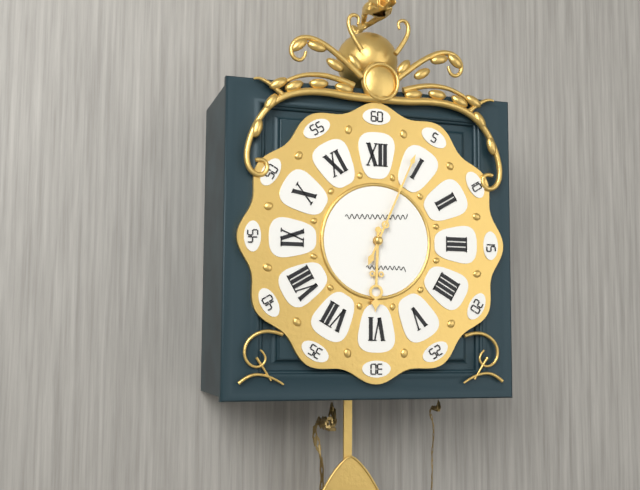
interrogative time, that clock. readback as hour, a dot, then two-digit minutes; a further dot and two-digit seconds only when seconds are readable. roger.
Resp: 6.04
